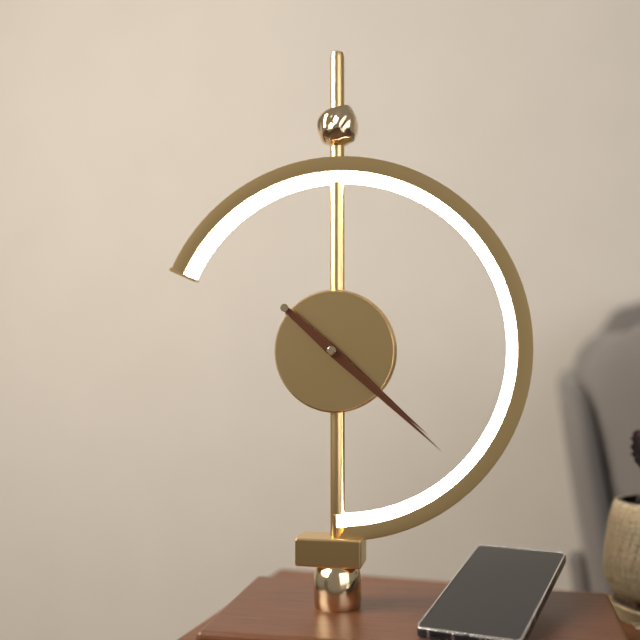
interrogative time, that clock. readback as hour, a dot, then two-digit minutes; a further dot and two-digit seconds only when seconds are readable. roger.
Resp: 4.22
